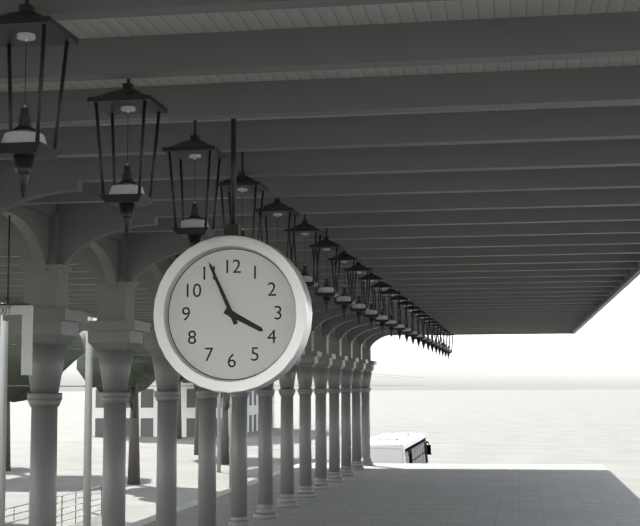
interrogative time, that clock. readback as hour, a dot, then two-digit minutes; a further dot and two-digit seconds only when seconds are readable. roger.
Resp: 3.56
